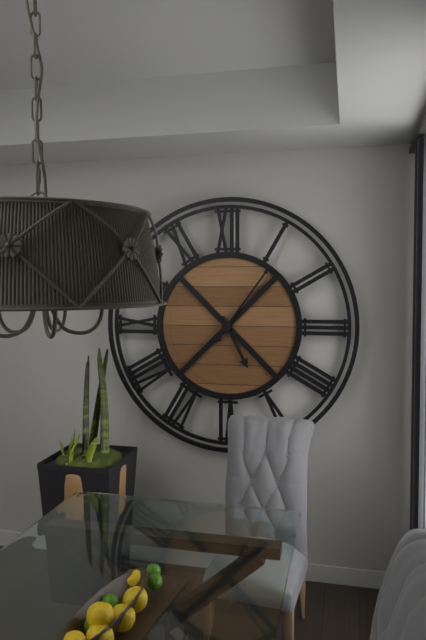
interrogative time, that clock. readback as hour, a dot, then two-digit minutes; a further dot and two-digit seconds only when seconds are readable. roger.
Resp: 5.06
